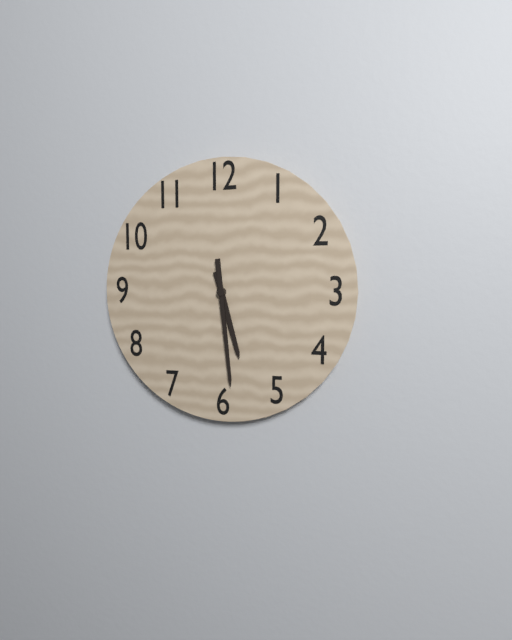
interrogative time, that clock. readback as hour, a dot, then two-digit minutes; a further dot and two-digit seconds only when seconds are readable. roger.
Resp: 5.29
